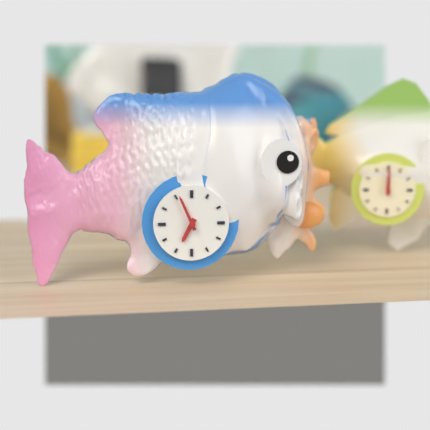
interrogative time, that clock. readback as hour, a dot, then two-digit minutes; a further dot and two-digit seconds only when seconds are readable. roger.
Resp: 6.56
